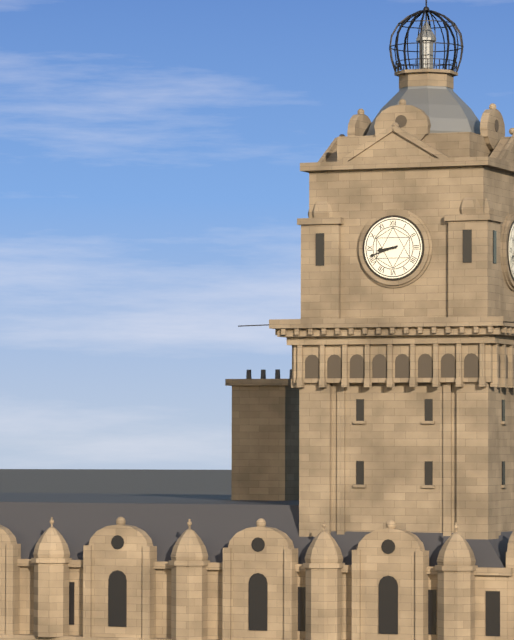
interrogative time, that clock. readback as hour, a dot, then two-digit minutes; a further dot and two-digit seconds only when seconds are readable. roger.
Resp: 8.42
